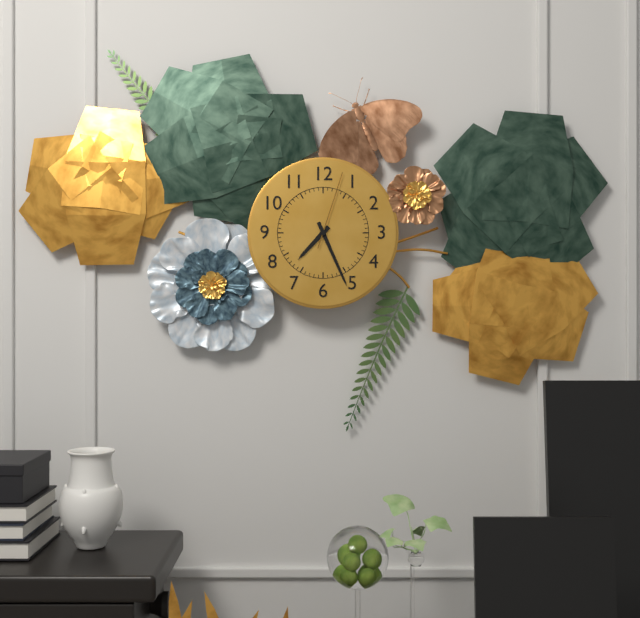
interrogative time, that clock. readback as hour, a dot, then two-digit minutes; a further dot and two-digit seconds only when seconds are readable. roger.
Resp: 7.26.03
